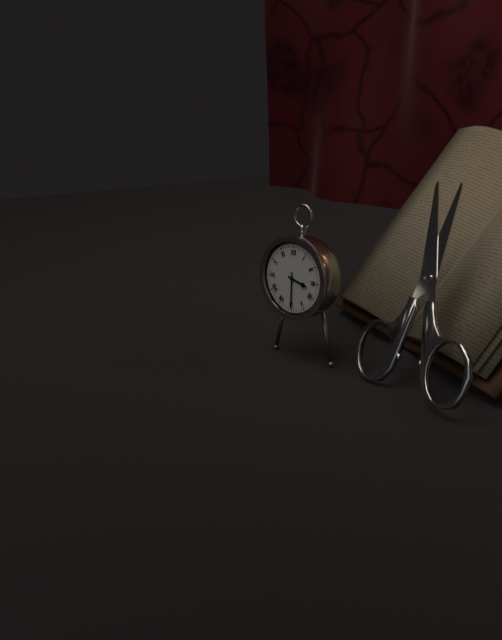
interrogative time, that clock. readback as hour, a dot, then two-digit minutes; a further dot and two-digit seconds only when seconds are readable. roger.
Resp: 3.30
